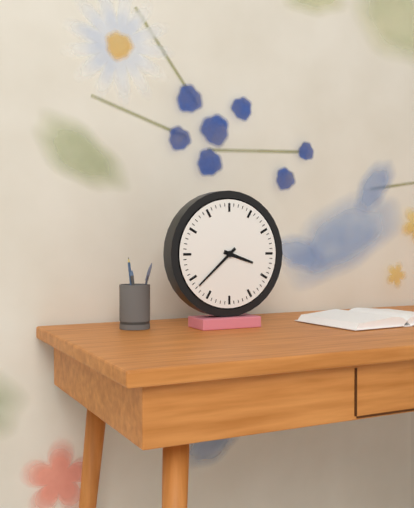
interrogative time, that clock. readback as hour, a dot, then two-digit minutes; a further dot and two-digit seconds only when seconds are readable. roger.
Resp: 3.38
